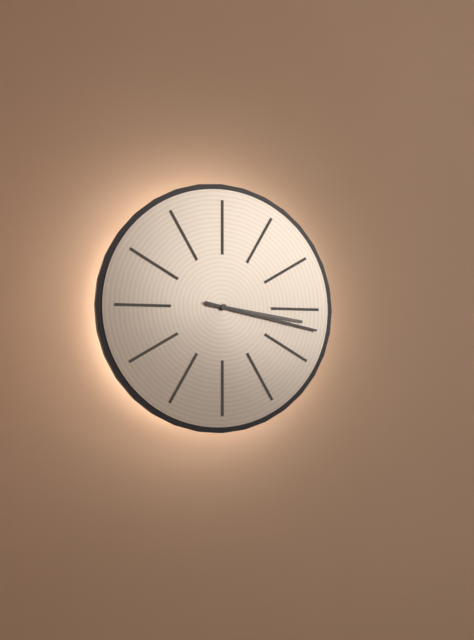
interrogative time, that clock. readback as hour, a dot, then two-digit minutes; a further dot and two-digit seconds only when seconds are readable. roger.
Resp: 3.17
